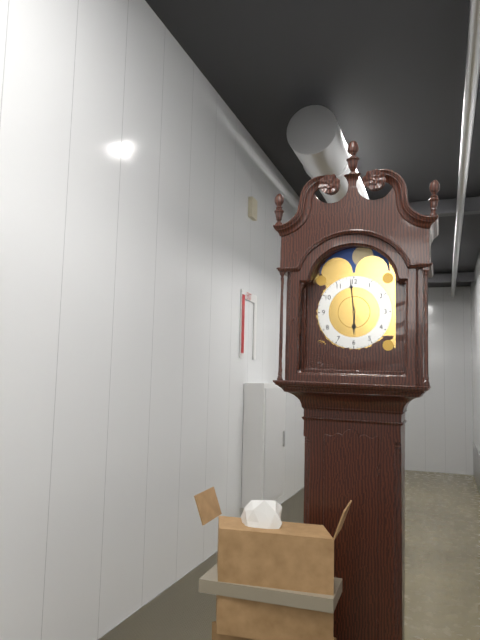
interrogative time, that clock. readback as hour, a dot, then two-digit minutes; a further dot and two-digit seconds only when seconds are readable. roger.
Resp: 5.59
